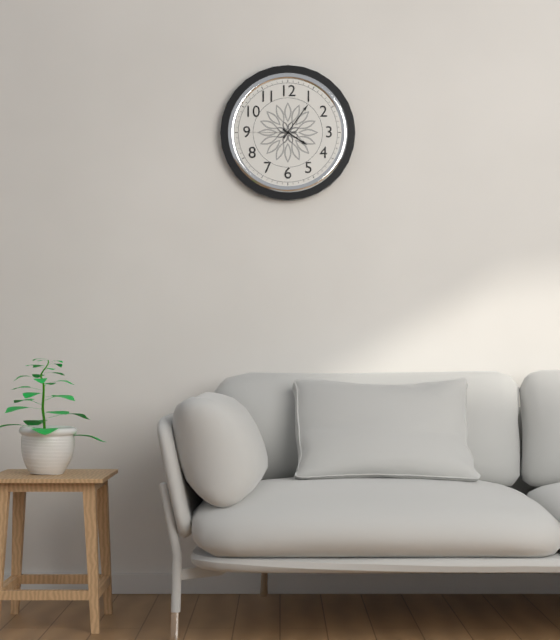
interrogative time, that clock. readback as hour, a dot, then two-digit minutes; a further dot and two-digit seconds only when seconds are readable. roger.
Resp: 4.06
